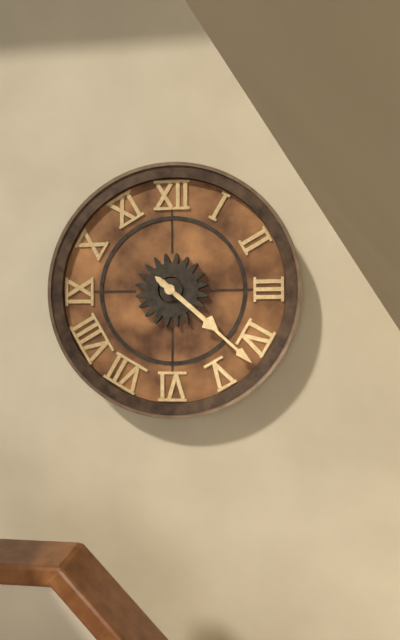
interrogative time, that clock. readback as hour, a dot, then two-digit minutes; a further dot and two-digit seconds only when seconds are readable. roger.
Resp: 4.22
